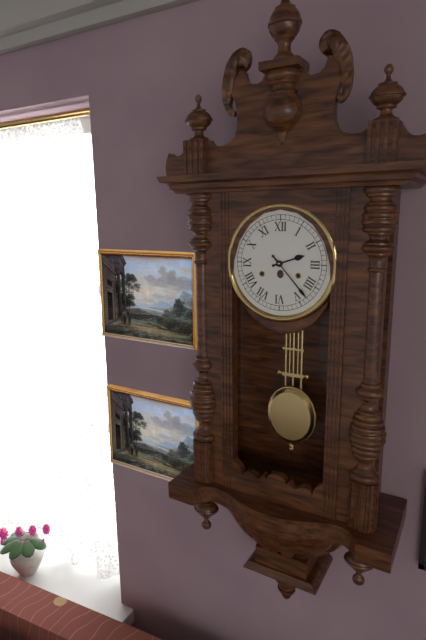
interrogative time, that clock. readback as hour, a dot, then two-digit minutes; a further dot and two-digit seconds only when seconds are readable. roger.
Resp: 2.23
